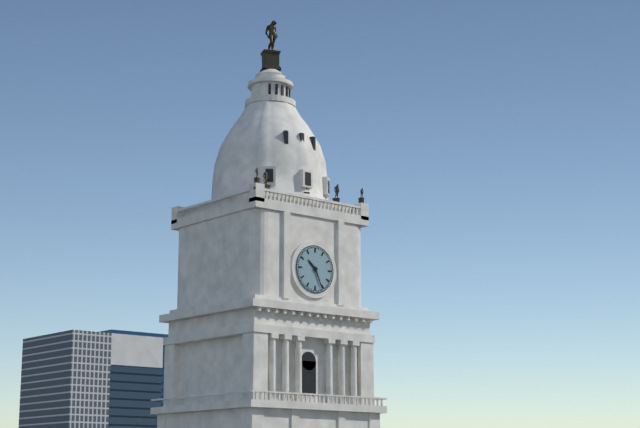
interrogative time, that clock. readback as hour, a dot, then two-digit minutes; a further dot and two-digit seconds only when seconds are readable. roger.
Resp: 10.26
